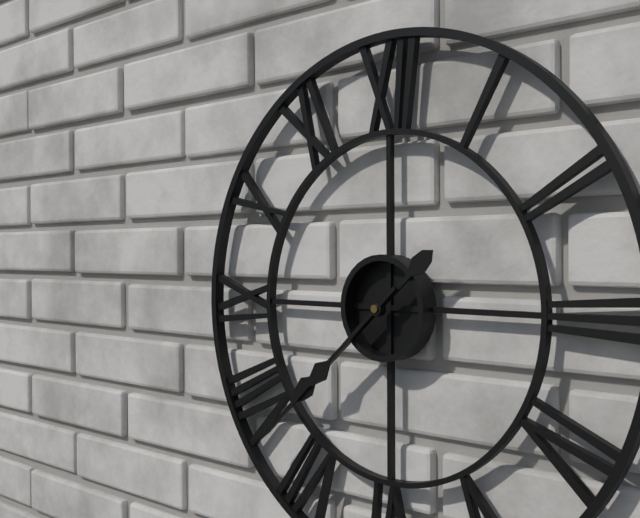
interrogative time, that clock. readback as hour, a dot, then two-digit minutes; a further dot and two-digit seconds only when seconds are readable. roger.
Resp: 7.38
